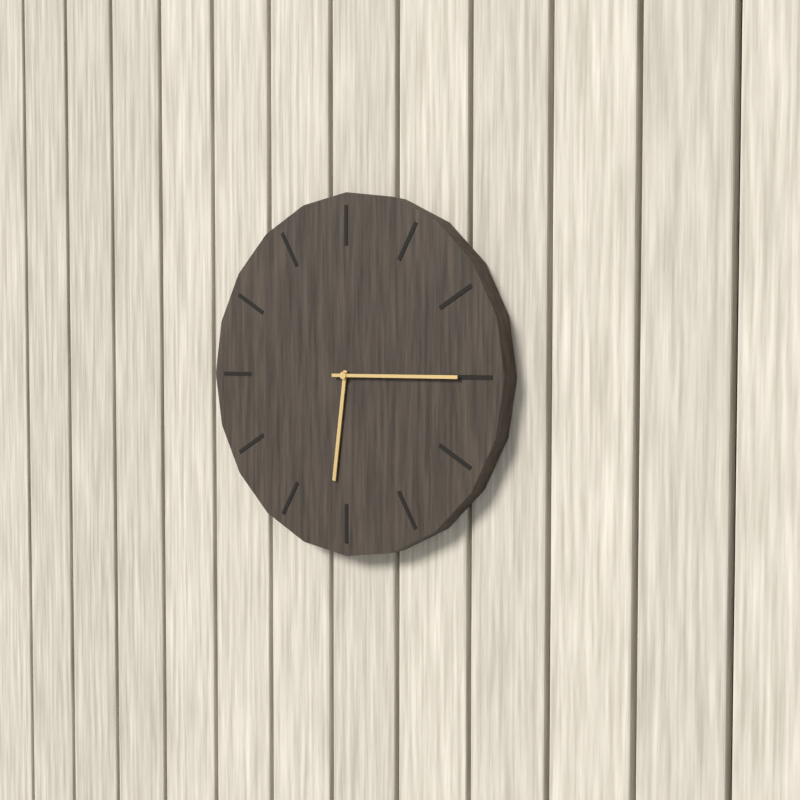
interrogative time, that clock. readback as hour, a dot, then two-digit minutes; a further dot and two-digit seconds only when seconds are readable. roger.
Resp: 6.15
